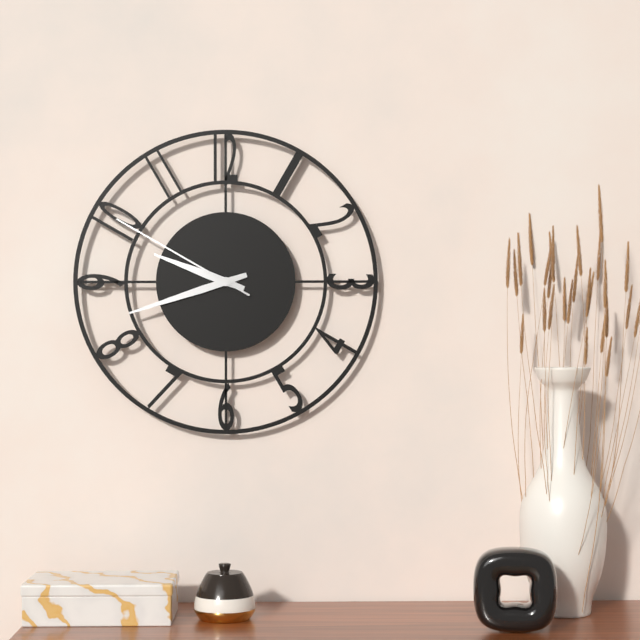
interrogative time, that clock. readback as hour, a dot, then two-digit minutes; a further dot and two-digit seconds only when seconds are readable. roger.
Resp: 9.42.50
